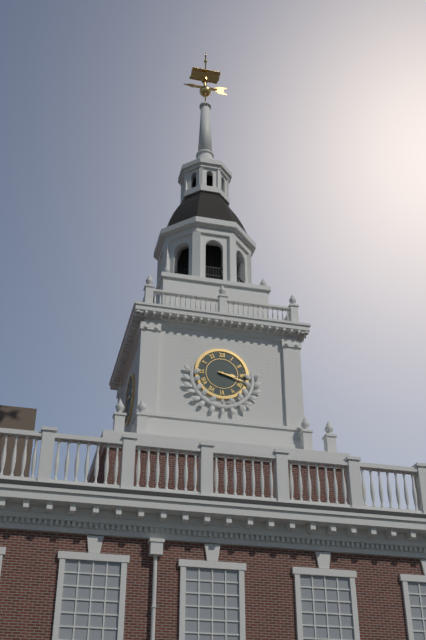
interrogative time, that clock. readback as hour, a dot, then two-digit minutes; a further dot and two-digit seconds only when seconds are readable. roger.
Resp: 3.18
